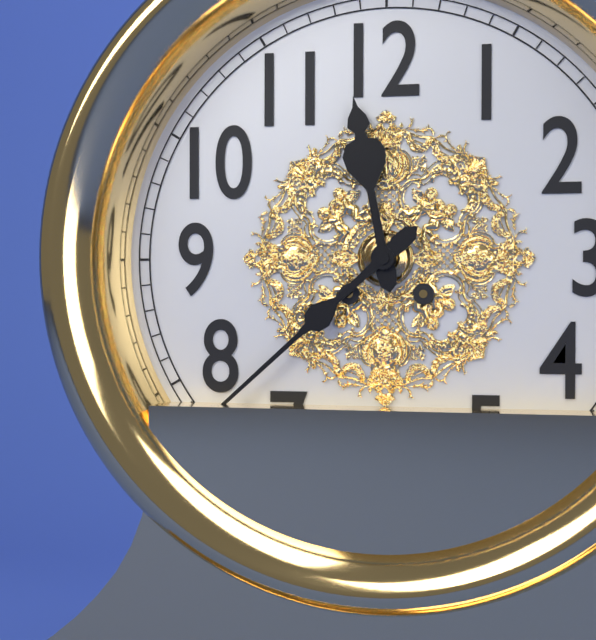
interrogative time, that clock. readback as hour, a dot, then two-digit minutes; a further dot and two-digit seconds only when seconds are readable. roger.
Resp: 11.38
